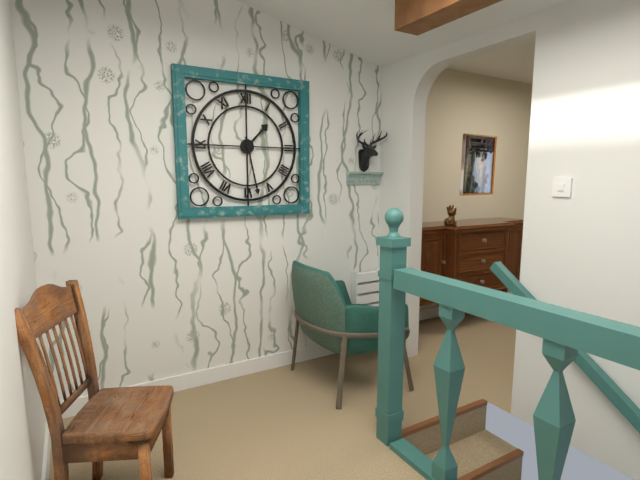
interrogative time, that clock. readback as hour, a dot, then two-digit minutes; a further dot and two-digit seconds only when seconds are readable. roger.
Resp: 1.28
